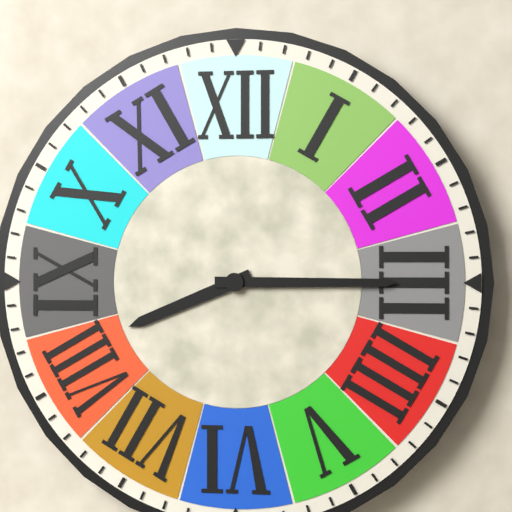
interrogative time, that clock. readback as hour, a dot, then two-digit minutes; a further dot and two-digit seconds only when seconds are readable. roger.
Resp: 8.15
